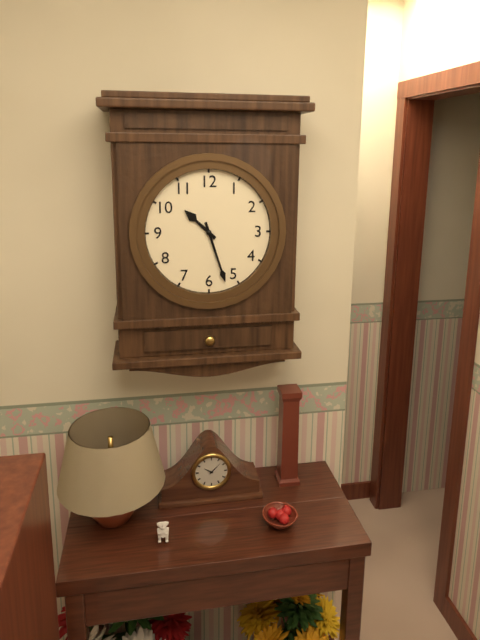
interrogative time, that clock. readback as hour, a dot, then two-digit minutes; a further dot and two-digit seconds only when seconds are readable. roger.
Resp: 10.27
